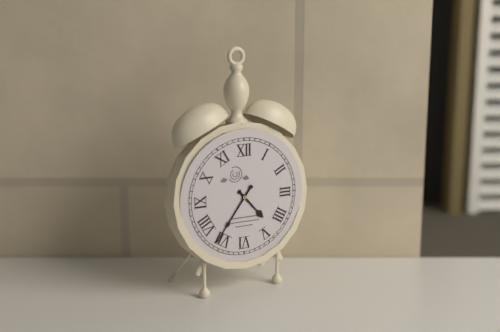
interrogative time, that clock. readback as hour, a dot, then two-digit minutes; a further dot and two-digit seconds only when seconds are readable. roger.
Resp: 4.36
